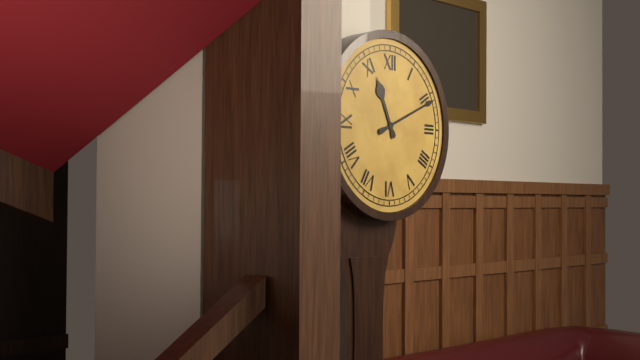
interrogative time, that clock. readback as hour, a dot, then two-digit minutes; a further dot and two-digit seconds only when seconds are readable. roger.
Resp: 11.11
